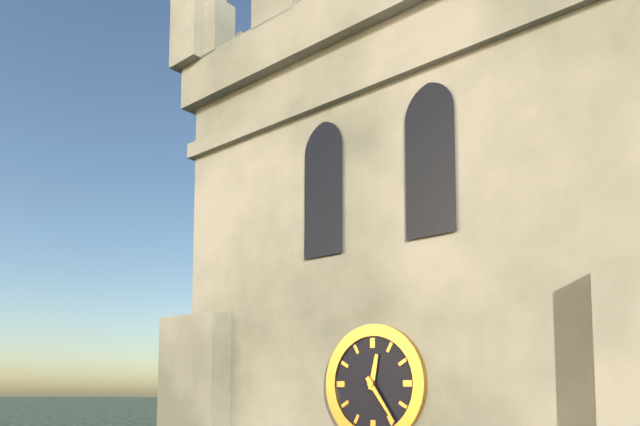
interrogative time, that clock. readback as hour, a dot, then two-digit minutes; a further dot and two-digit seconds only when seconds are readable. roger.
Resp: 12.24
